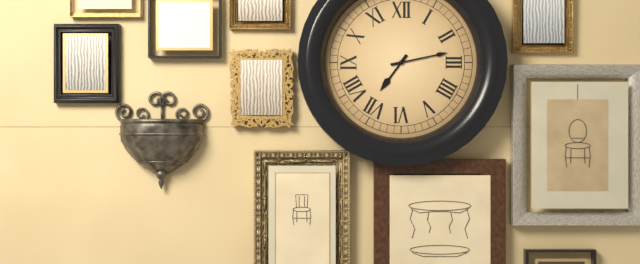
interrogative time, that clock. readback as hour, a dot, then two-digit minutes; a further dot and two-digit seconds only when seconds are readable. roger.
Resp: 7.13
